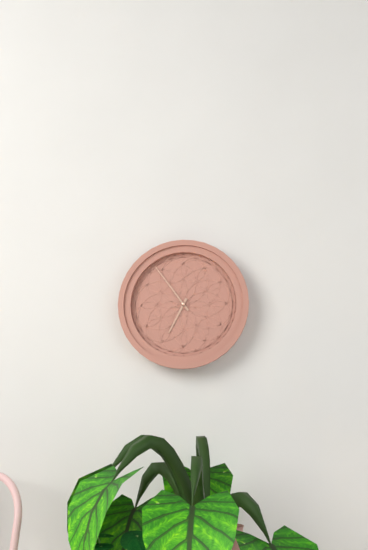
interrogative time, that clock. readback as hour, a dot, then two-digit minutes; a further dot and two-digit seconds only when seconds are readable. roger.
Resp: 6.54
